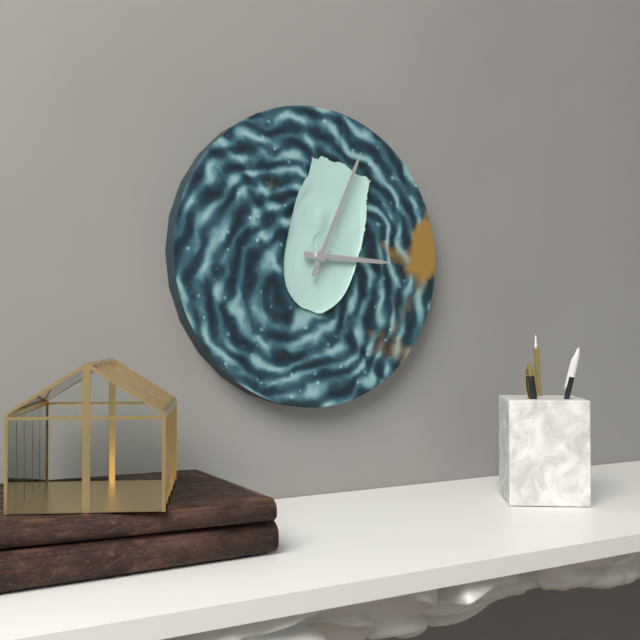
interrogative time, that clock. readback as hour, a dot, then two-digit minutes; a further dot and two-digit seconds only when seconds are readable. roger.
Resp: 3.04
